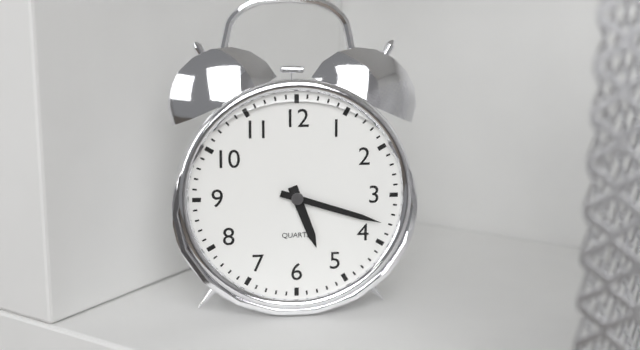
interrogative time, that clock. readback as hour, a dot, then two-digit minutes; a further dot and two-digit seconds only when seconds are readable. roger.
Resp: 5.18
